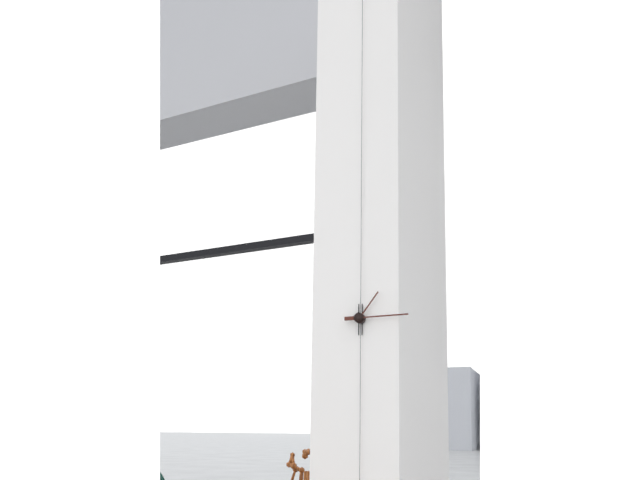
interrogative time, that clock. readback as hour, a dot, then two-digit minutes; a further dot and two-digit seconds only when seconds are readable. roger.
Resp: 1.15
